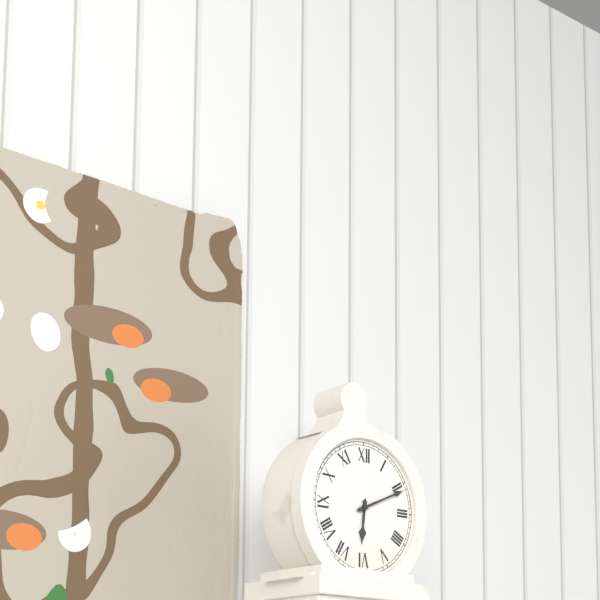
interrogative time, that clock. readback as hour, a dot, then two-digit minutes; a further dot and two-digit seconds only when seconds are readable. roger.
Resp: 6.11
